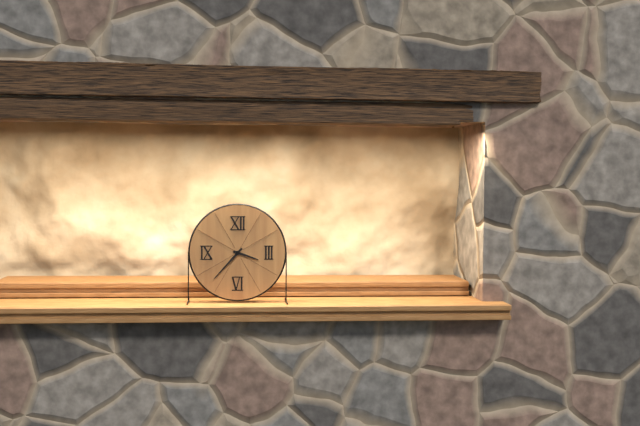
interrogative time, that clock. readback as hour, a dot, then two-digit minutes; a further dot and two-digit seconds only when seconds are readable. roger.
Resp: 3.37
